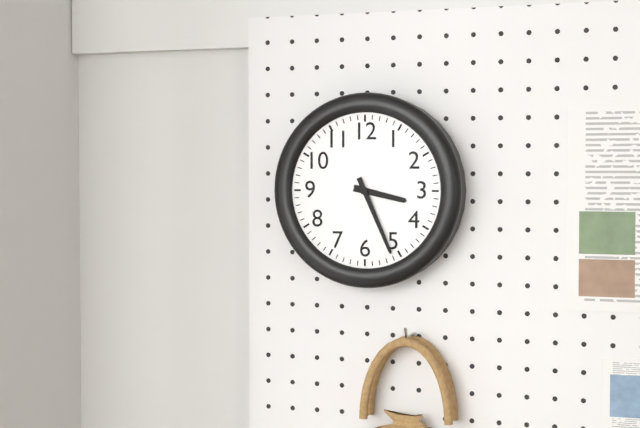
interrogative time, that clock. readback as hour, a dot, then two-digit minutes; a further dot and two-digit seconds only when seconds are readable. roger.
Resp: 3.26
